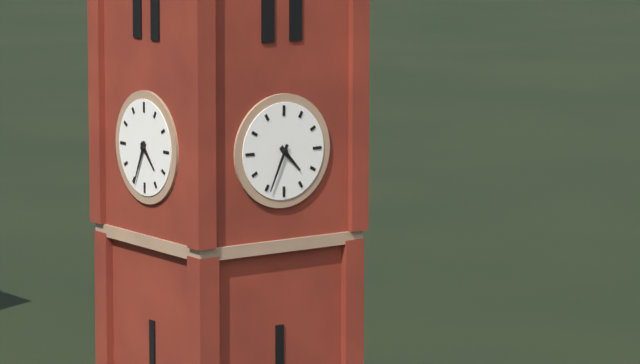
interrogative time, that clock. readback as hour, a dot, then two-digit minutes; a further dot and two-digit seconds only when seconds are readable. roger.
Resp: 4.34
